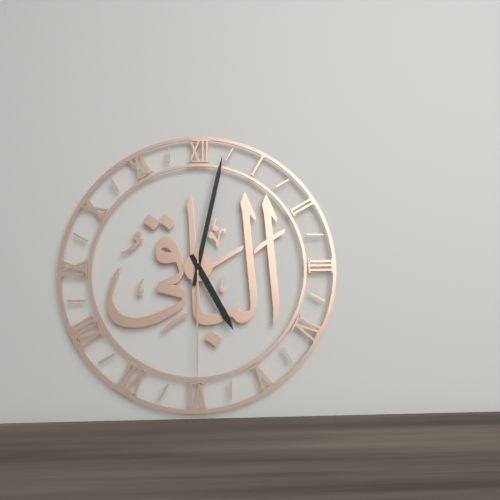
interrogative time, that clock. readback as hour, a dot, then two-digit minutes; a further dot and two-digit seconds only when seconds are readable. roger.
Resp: 5.02.30
